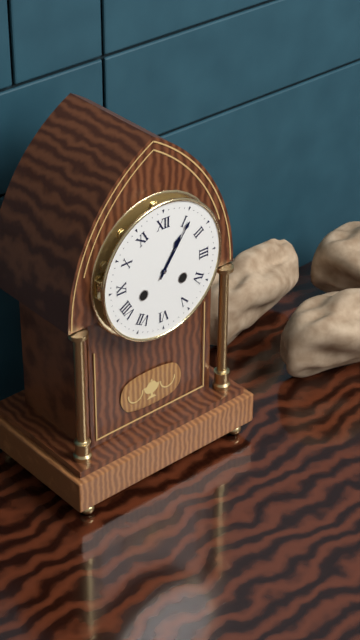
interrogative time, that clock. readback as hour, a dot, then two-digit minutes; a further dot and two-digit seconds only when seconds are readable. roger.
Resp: 1.06
